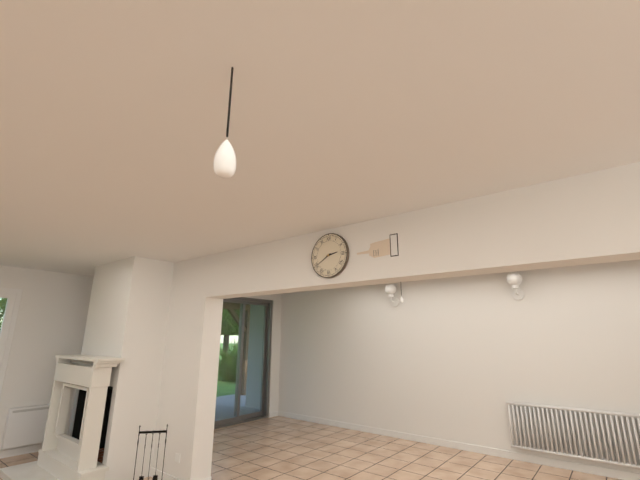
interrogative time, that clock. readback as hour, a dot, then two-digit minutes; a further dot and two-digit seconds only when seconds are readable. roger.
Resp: 2.40
